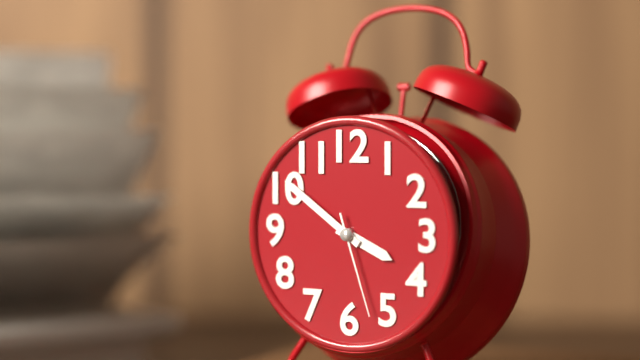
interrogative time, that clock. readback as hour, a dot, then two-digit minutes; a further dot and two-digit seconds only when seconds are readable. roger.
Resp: 3.51.27
